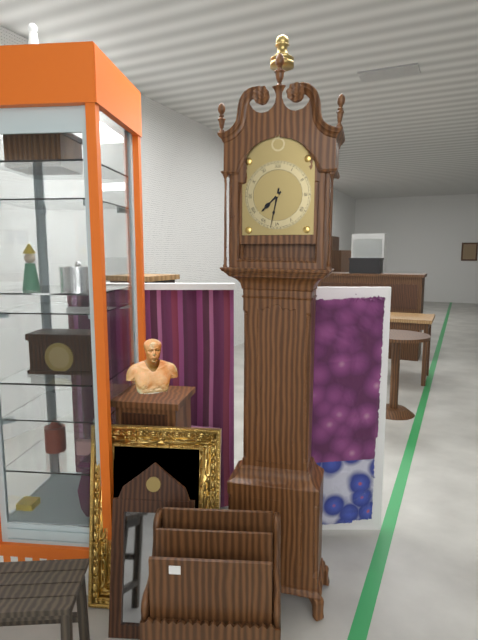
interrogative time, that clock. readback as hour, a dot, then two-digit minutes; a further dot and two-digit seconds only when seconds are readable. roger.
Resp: 7.32
